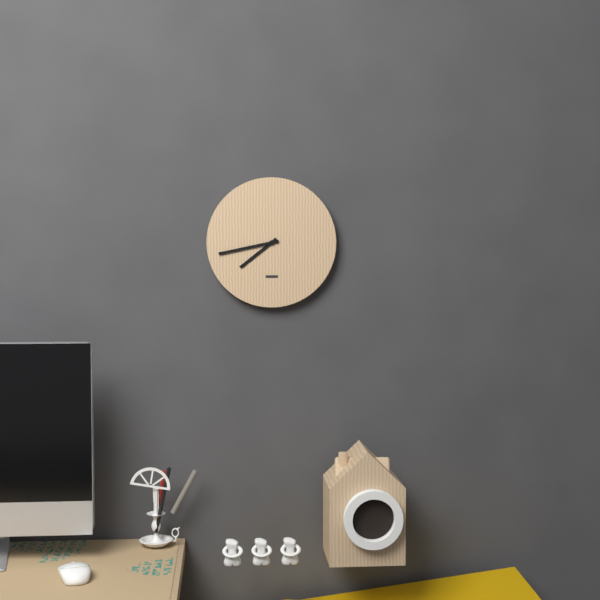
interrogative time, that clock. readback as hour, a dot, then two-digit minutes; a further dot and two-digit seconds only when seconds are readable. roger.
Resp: 7.43
